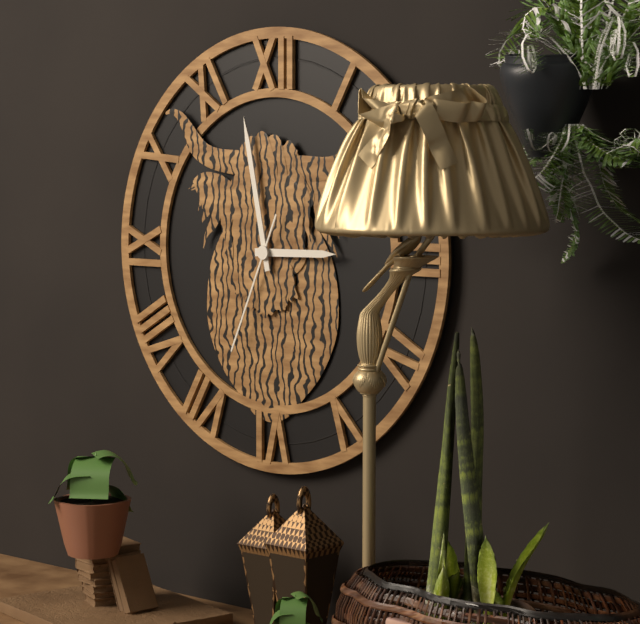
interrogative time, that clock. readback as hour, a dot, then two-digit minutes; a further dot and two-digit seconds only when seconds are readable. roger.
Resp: 2.58.34
